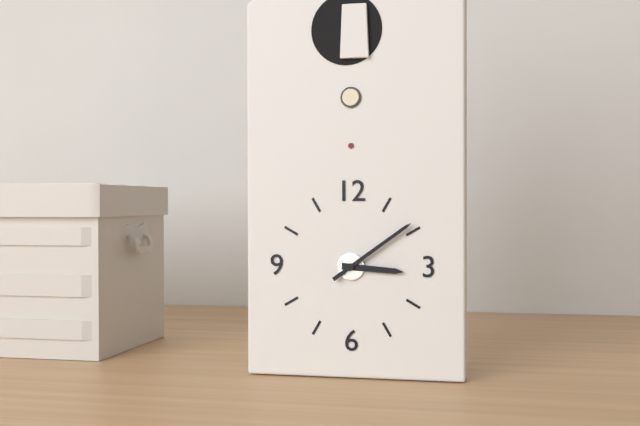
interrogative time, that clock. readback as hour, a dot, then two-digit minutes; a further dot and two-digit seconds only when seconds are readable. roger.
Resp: 3.09
